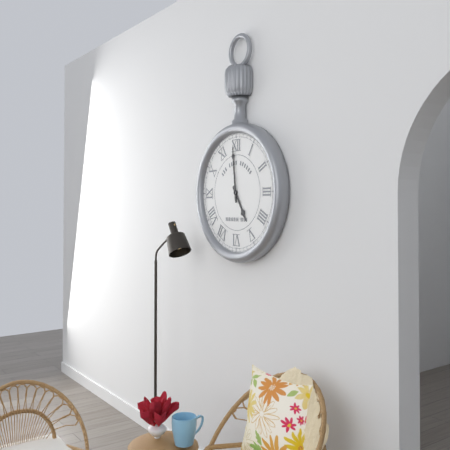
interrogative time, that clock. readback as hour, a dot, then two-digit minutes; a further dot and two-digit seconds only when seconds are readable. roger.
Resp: 4.59
